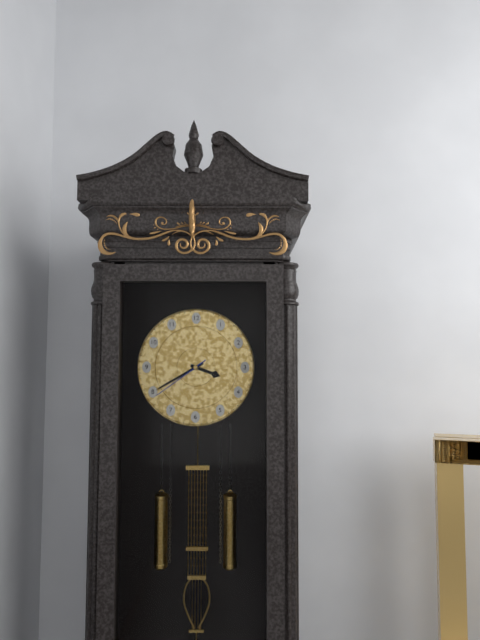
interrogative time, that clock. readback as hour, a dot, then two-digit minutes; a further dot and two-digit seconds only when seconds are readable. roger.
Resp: 3.40.39
